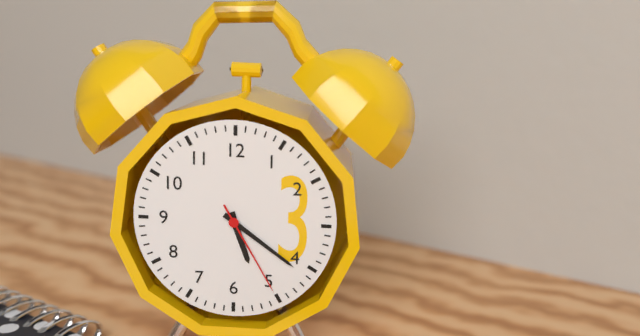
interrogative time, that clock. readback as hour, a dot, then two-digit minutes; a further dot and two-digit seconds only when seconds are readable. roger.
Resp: 5.21.25
